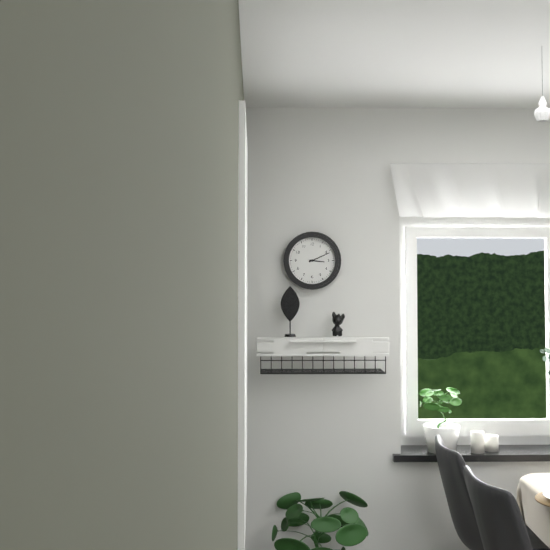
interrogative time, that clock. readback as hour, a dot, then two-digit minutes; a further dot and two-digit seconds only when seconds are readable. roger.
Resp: 3.11
